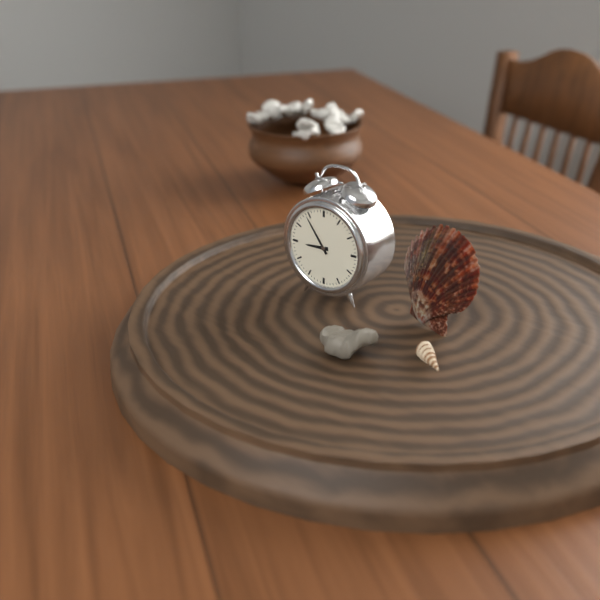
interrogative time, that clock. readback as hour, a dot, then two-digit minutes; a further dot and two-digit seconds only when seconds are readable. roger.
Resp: 8.54
